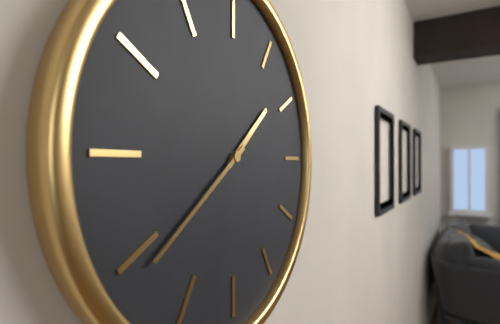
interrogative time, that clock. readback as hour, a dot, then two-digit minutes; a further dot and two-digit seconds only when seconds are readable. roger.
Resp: 1.39
